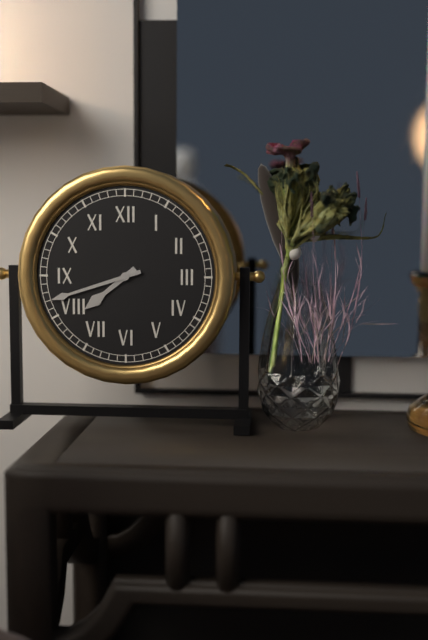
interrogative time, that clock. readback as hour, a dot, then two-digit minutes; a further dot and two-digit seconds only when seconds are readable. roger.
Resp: 7.42
